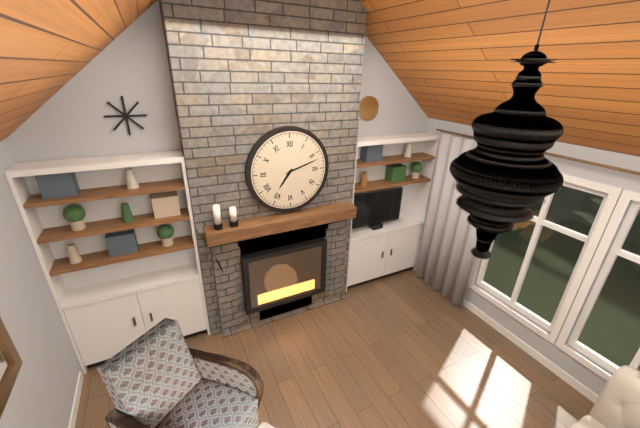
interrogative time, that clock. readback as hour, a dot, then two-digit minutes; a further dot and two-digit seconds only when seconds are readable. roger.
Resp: 7.12
